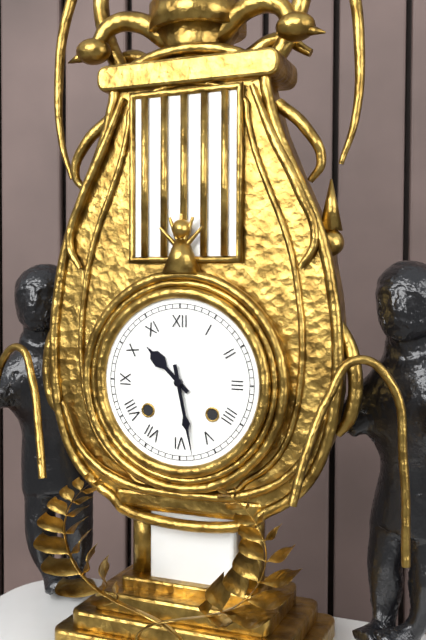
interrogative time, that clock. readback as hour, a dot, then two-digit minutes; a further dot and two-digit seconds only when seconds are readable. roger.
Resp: 10.28
